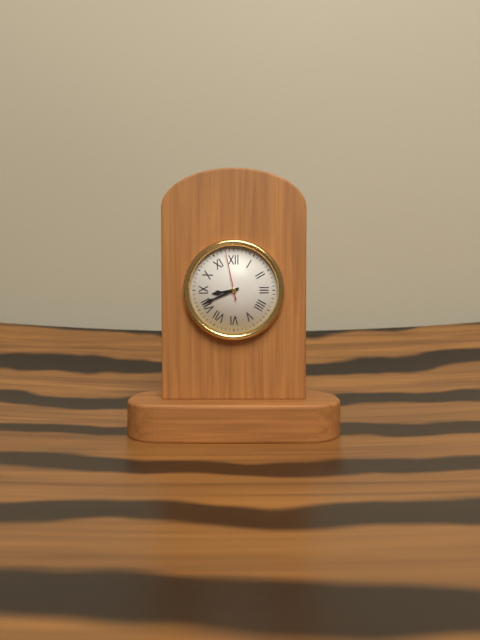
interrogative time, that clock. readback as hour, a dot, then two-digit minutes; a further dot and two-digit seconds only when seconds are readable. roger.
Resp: 8.41
